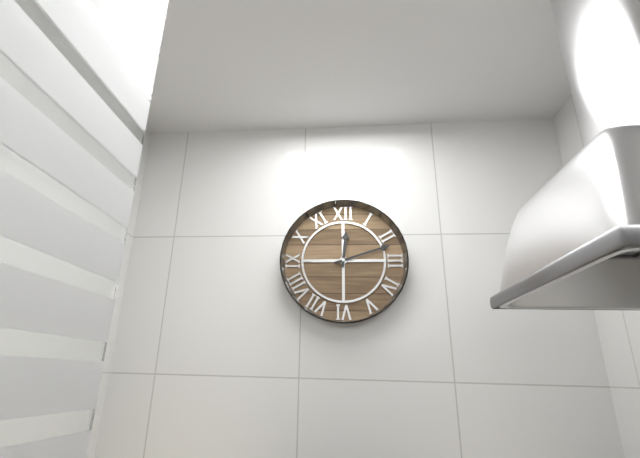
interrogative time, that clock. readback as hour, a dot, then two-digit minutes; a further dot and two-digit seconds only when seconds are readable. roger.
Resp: 12.12
